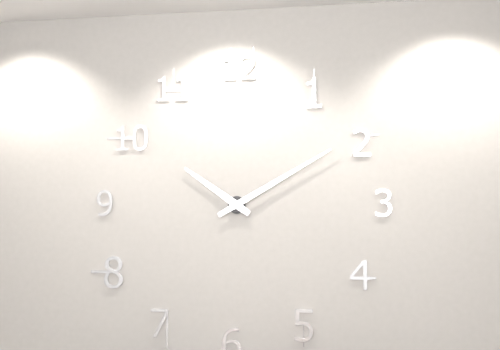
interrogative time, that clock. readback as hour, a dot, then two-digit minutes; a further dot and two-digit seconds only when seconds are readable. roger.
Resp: 10.10
